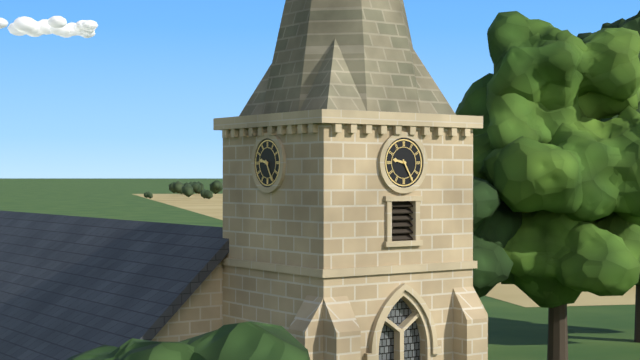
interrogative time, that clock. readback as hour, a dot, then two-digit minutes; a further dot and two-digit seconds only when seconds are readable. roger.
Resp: 9.25
